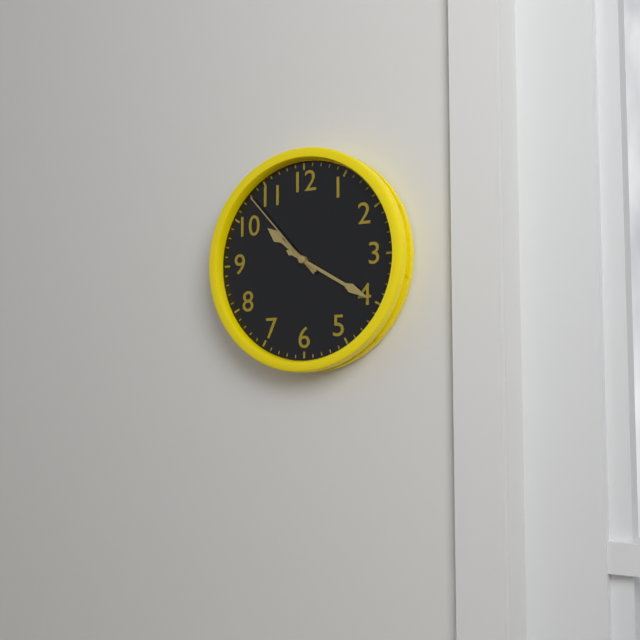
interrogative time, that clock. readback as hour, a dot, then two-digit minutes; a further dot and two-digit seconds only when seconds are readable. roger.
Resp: 10.20.53
